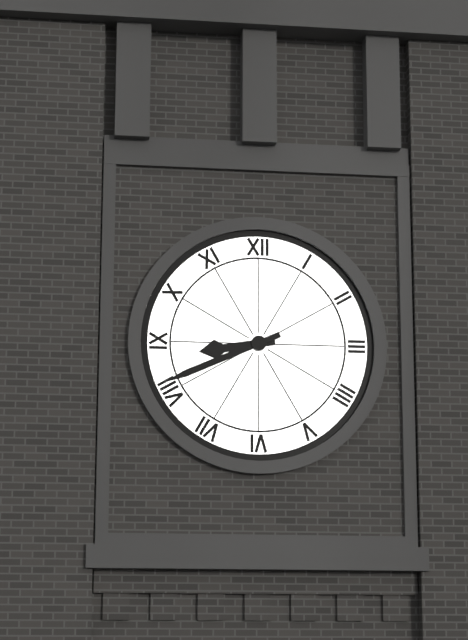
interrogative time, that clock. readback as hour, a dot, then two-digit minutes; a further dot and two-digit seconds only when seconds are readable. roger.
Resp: 8.41
